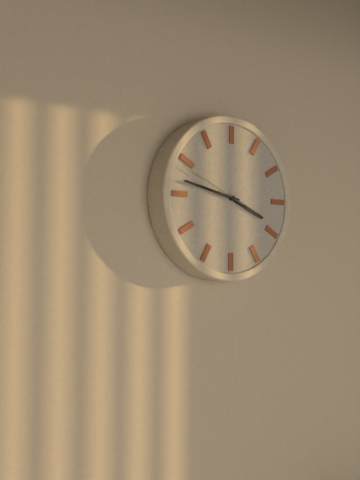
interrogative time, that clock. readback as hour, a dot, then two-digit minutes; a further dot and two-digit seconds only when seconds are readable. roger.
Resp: 3.47.49
